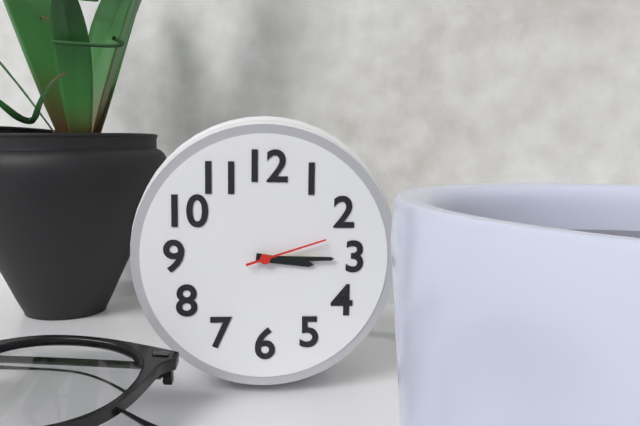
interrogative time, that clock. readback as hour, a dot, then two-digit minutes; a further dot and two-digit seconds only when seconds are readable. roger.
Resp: 3.15.12
